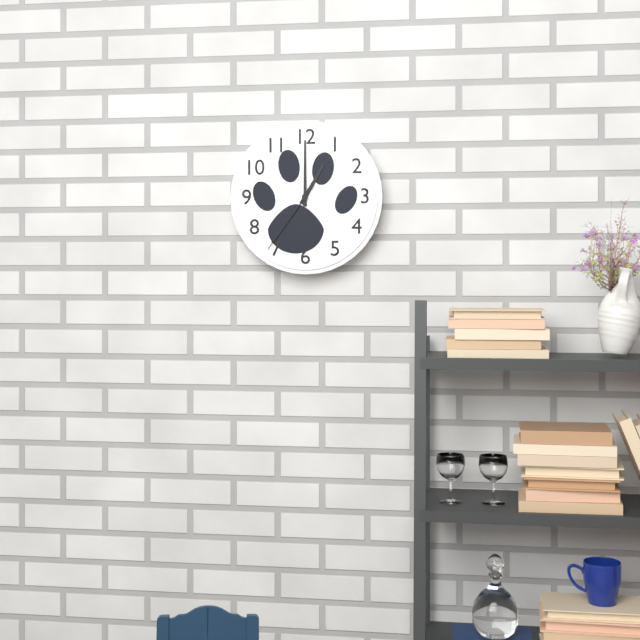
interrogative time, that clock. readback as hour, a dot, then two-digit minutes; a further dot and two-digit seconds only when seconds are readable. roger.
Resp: 1.00.36
